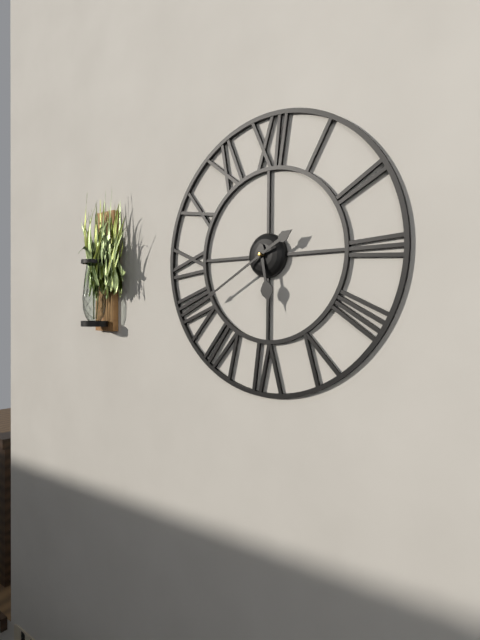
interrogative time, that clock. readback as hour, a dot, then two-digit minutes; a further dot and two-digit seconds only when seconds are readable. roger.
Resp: 5.40
